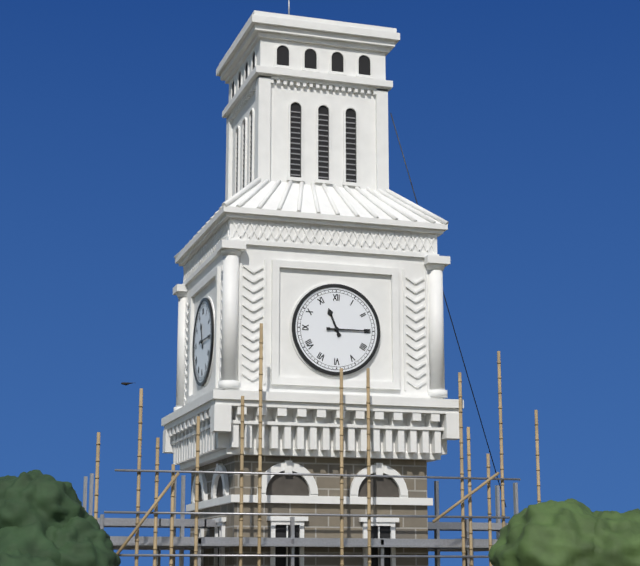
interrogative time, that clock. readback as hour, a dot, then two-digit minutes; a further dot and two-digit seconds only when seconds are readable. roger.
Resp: 11.15
